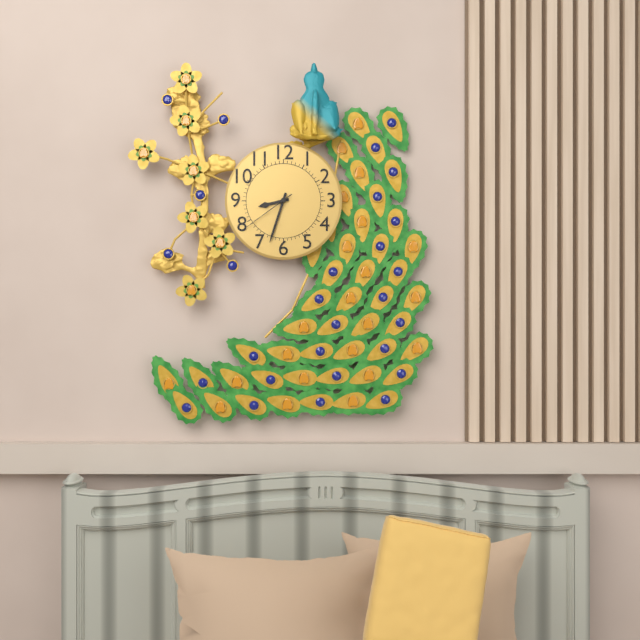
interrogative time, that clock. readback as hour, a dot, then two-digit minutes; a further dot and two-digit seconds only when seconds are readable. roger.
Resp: 8.33.39
